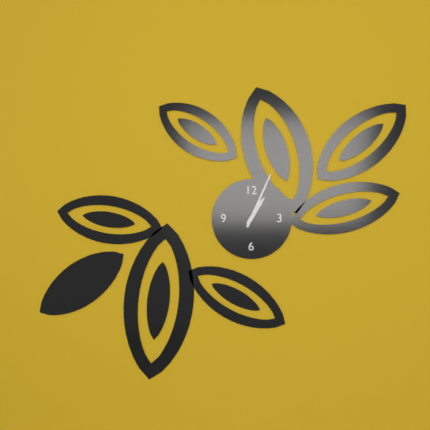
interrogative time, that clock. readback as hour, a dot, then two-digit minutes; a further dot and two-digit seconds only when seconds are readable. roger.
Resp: 1.04
